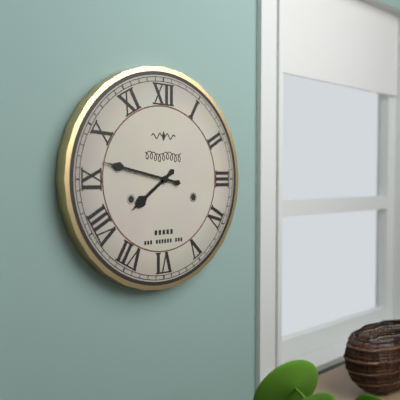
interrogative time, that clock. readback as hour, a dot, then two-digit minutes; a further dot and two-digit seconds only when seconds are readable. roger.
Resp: 7.47
